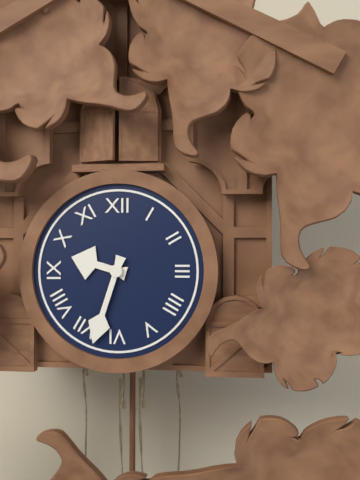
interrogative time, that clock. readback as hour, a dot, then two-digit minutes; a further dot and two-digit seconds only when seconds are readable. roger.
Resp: 9.33
